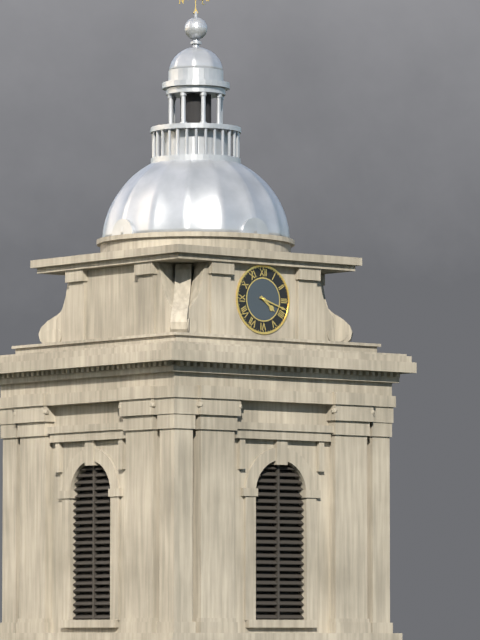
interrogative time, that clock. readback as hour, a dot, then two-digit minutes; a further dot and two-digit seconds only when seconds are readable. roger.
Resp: 4.18
